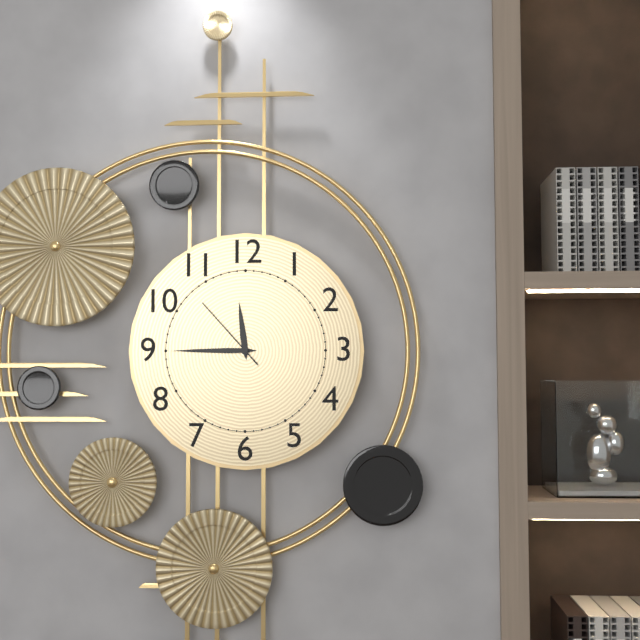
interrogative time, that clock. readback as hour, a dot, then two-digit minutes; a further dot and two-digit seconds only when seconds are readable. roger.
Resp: 11.45.53
